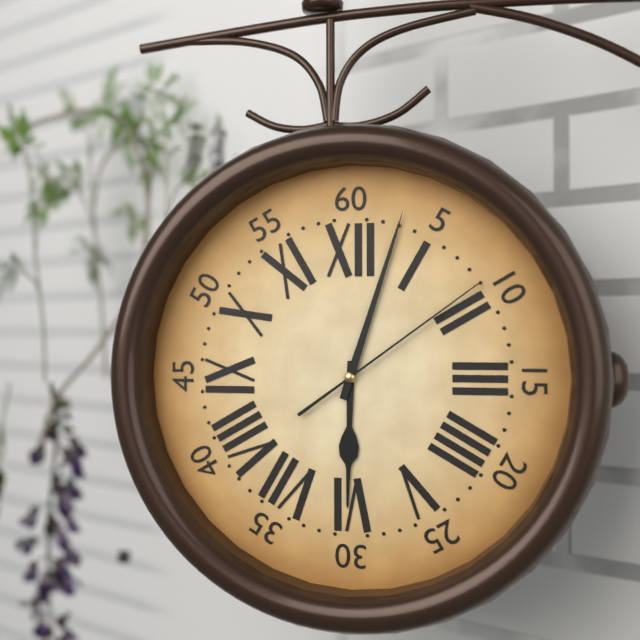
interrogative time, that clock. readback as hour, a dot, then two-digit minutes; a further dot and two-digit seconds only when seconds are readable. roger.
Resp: 6.03.09
